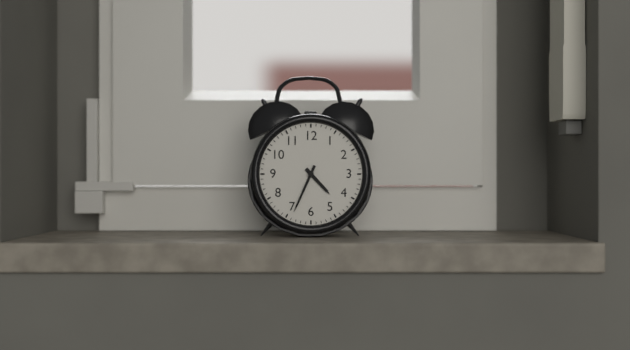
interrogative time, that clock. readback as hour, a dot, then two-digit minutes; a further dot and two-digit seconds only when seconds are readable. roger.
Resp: 4.34
